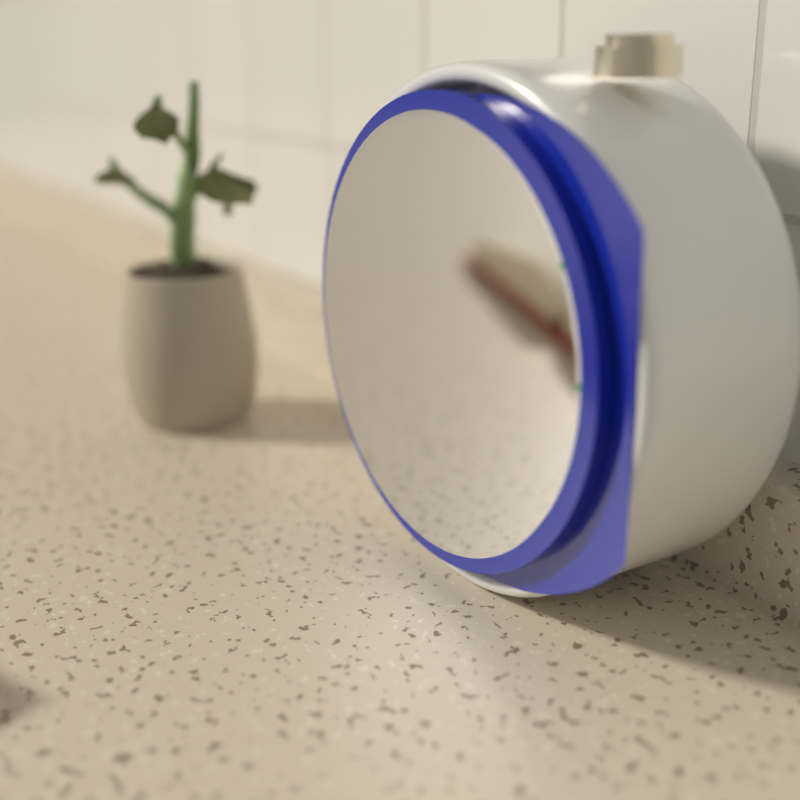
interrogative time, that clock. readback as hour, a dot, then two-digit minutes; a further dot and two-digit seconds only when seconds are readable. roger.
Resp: 9.33.10
